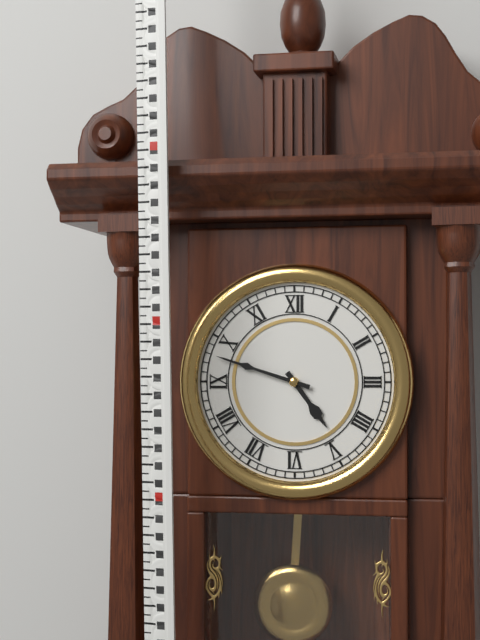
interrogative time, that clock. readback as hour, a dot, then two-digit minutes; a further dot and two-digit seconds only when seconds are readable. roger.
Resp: 4.48
